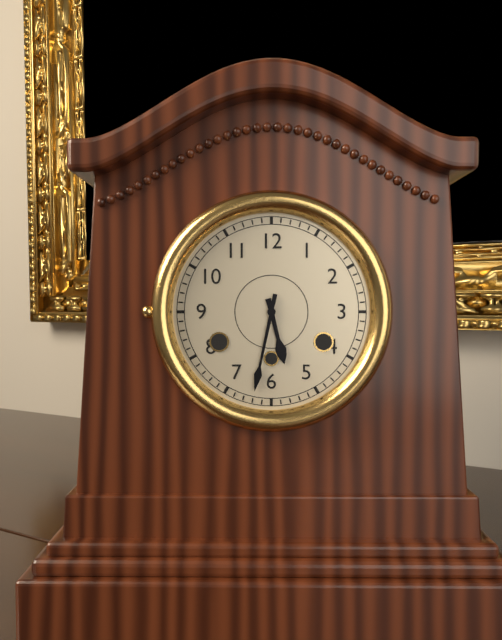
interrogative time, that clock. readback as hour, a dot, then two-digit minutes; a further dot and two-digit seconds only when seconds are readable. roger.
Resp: 5.32
